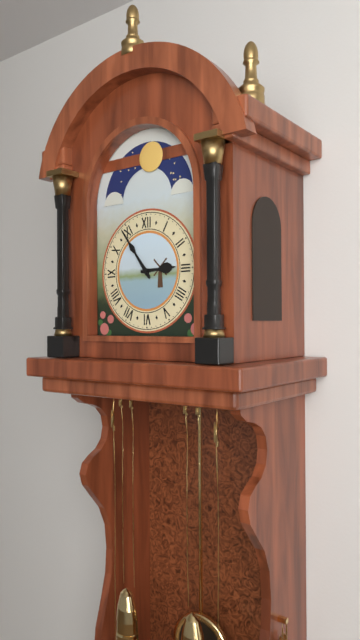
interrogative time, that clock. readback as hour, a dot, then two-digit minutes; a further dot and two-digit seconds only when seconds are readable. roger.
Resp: 2.54
